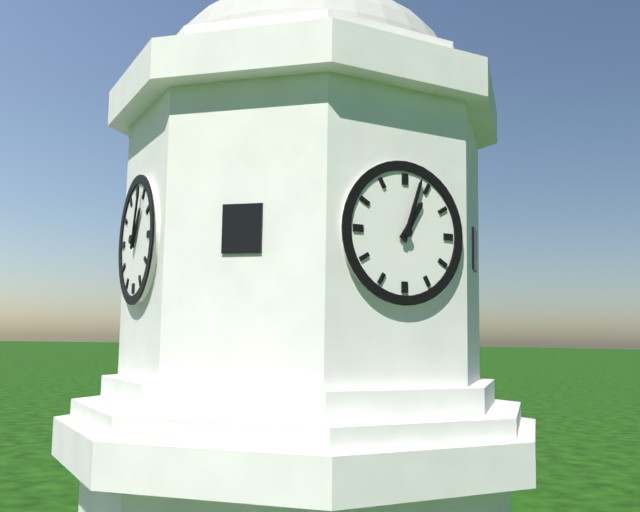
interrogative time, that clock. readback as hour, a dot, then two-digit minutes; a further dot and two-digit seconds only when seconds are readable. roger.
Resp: 1.03
